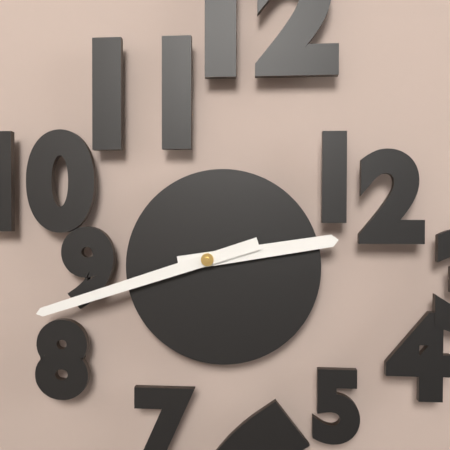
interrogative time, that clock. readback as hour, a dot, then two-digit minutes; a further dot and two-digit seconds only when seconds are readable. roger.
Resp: 2.42
